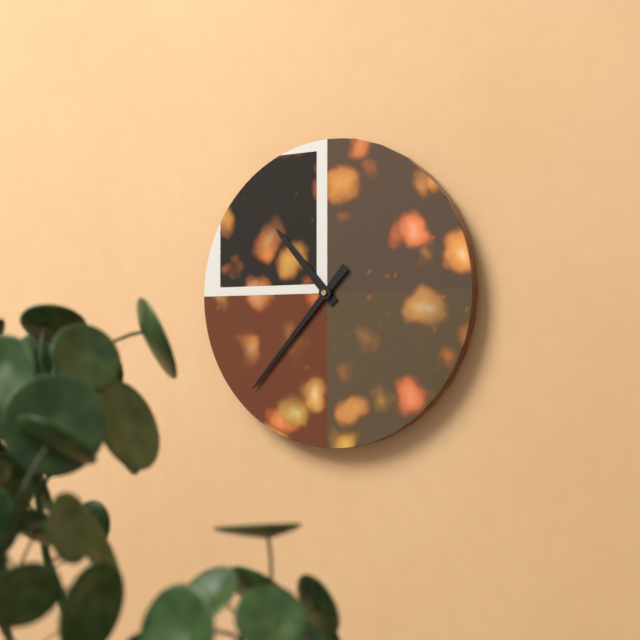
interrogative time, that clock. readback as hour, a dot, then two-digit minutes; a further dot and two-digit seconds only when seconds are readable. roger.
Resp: 10.37
